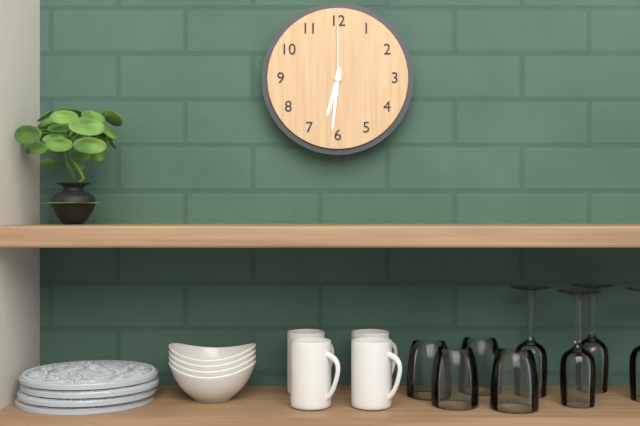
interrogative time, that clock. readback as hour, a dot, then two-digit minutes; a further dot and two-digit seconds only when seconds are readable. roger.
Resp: 6.31.00
